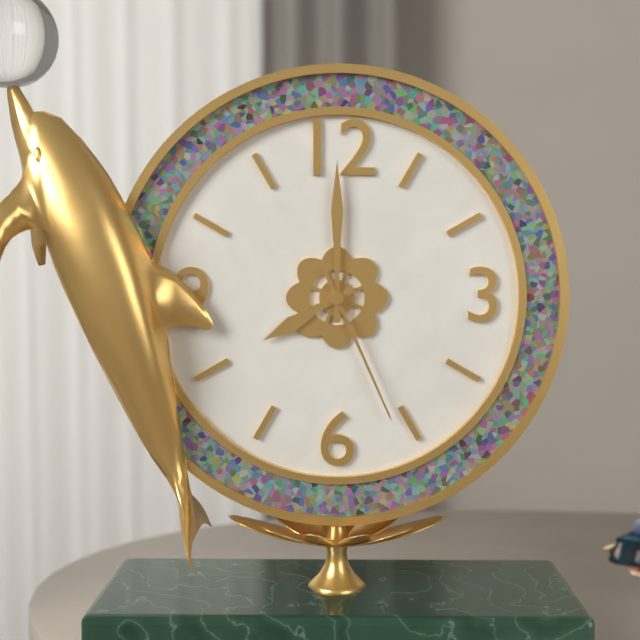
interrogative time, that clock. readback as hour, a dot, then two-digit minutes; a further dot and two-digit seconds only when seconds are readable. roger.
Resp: 8.00.26
